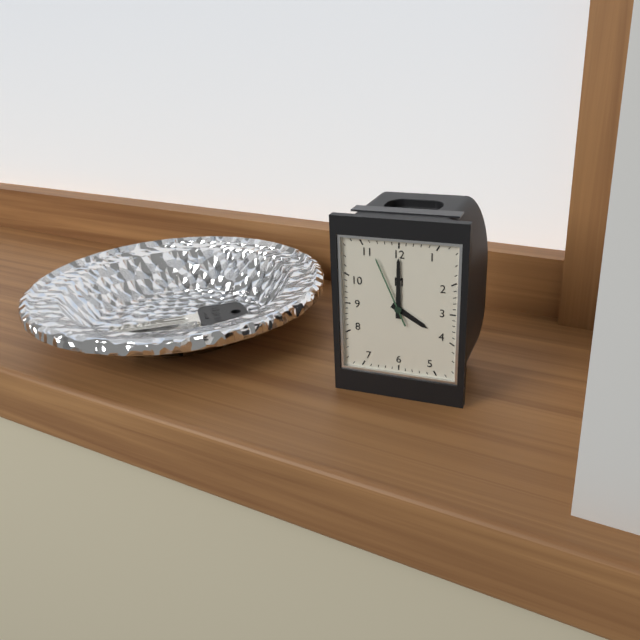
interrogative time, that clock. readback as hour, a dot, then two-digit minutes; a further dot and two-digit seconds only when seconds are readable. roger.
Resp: 4.00.56
